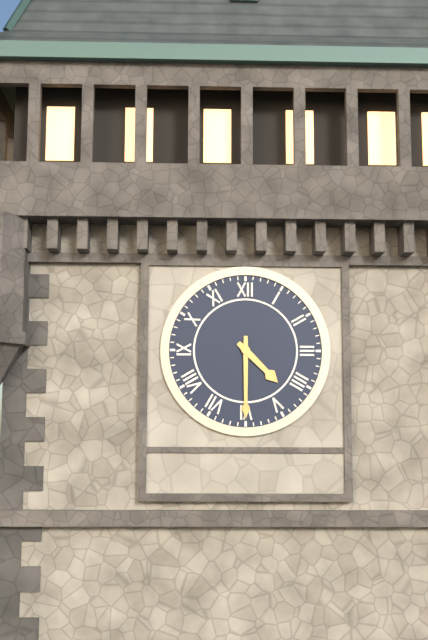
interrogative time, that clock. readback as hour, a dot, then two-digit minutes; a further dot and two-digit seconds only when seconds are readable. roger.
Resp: 4.30
